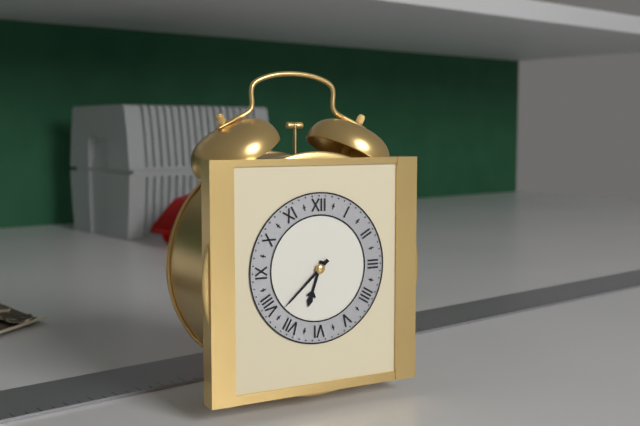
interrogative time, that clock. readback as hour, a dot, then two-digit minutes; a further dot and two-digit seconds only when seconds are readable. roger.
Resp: 6.38
